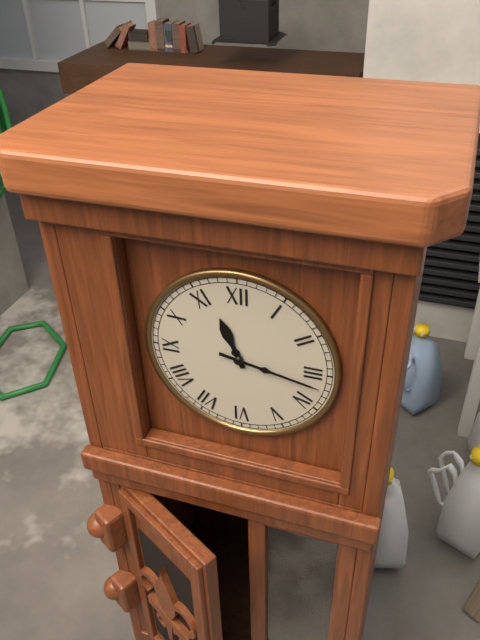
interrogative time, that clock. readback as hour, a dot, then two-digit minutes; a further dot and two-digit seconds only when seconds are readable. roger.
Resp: 11.17
